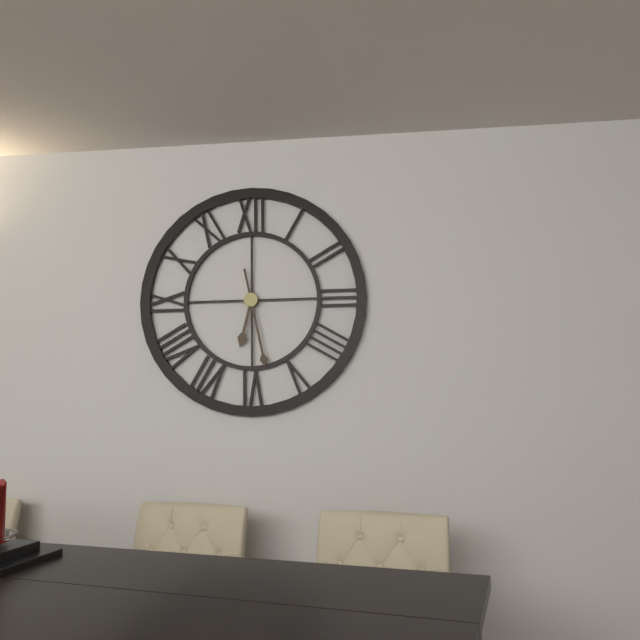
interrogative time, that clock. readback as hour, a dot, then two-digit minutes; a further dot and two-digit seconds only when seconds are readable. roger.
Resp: 6.28
